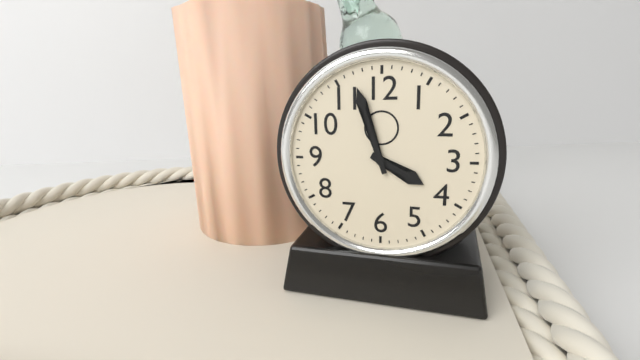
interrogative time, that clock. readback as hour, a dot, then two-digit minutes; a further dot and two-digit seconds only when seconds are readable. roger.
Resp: 3.57
